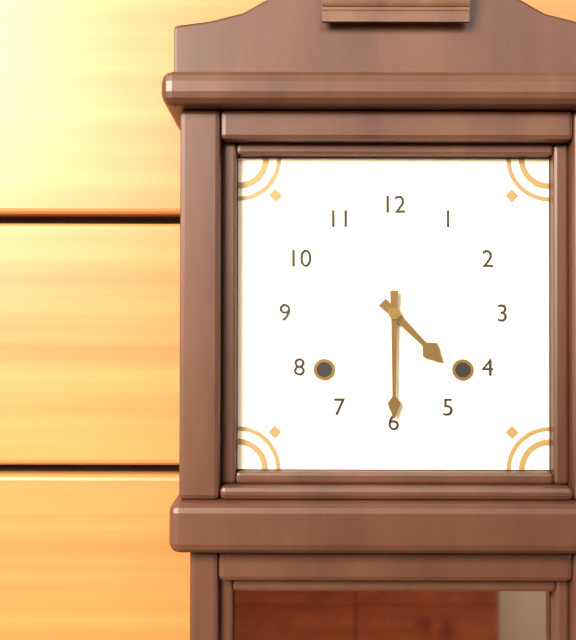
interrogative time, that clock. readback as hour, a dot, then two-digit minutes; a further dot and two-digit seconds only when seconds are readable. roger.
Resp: 4.30
